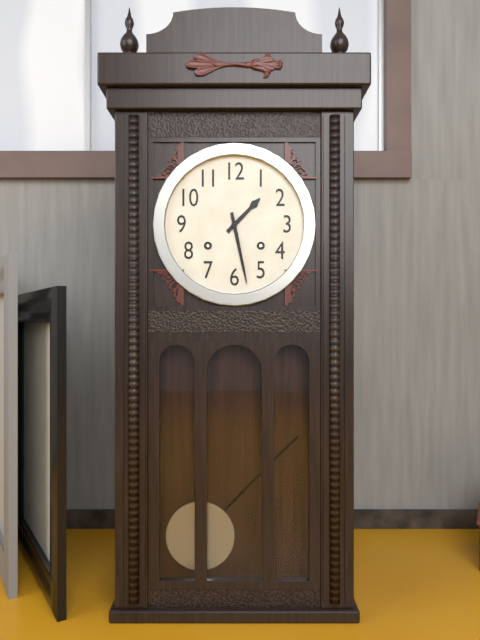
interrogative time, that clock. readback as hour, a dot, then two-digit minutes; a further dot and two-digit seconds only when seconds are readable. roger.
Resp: 1.28
